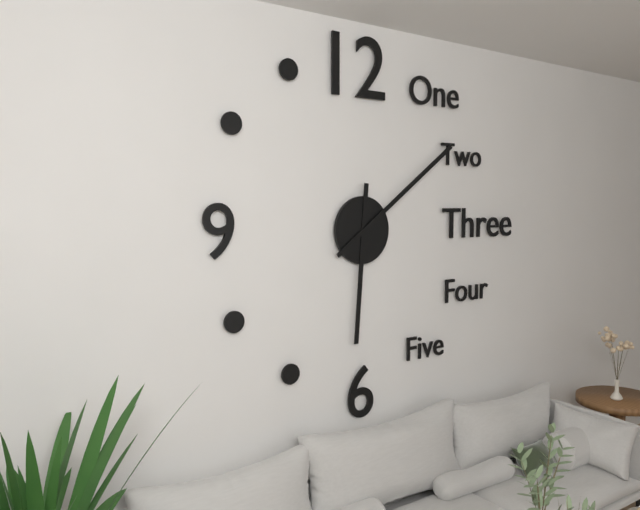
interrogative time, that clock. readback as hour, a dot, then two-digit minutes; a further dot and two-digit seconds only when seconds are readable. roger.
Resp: 6.09
